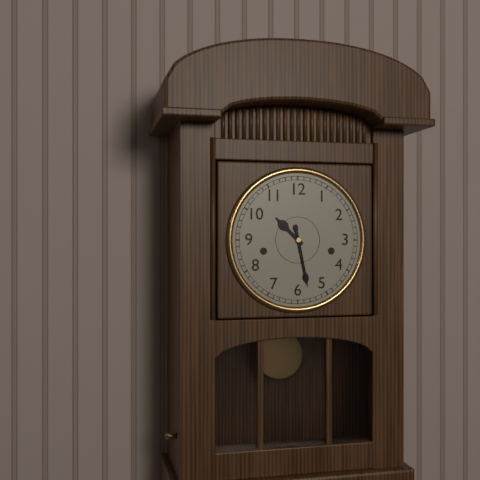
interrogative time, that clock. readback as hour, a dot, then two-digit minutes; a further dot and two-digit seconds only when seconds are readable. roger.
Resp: 10.28
